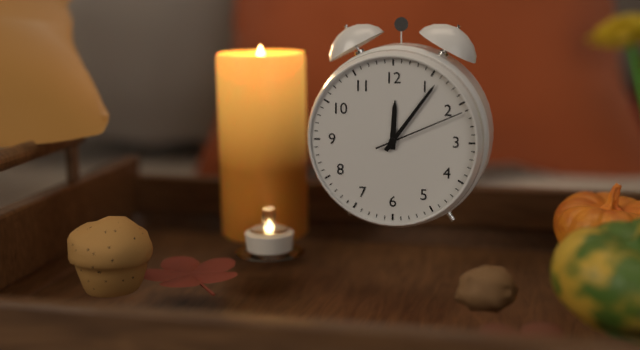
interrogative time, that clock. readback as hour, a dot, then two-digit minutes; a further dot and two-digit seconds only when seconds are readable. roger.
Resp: 12.06.11
